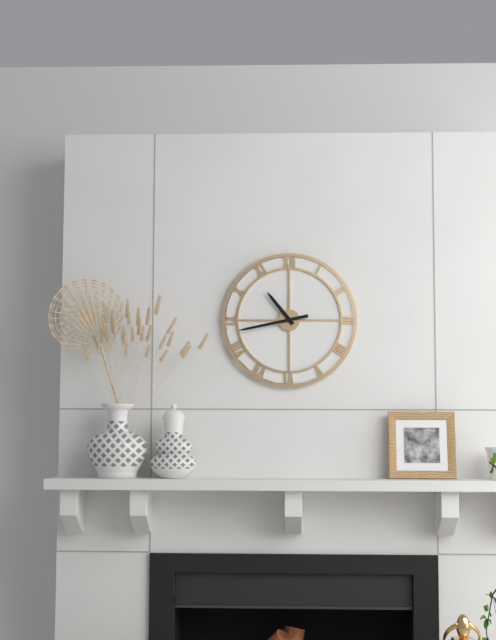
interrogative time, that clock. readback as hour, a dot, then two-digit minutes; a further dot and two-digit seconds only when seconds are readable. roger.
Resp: 10.43
